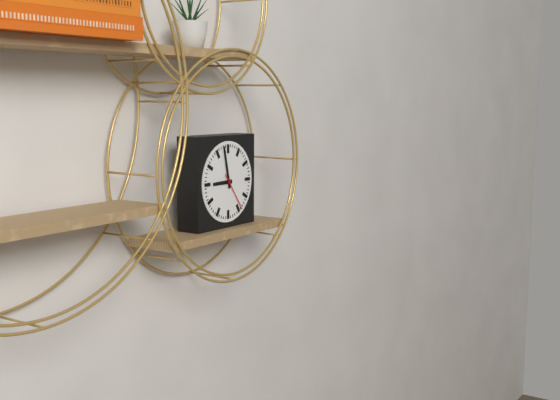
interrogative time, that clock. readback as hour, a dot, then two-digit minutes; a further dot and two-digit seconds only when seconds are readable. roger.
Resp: 8.58
